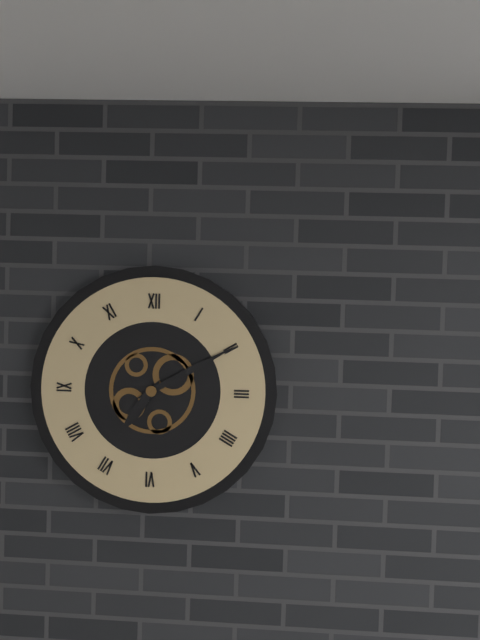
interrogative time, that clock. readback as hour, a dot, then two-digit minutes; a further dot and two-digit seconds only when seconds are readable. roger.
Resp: 7.10
